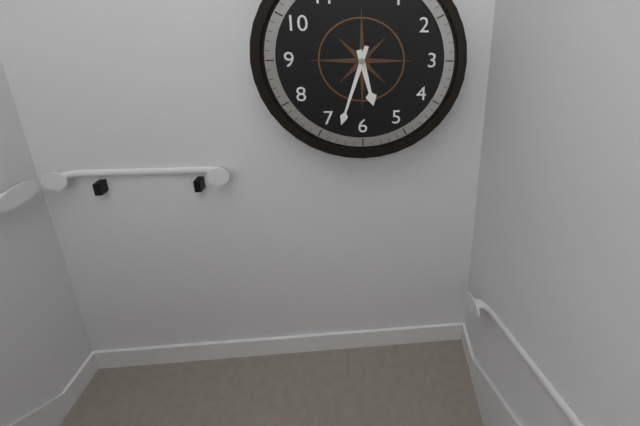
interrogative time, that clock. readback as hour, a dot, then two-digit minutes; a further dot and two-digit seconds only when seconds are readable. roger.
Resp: 5.33
